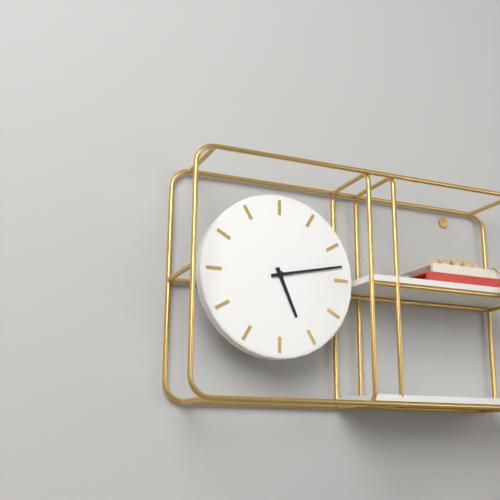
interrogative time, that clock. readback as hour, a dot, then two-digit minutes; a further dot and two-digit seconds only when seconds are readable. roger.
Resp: 5.13
